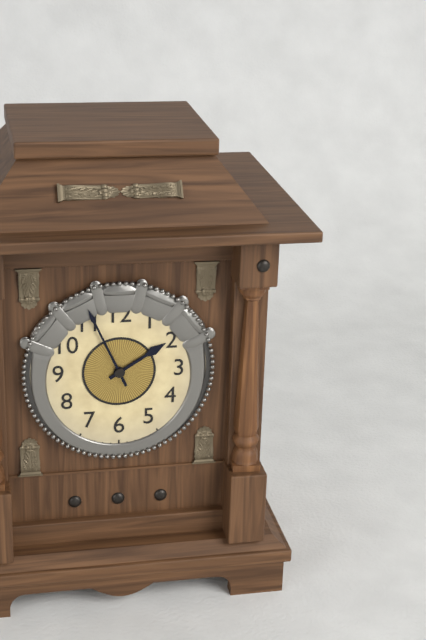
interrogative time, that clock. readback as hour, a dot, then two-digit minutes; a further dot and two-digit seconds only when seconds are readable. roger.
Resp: 1.56
